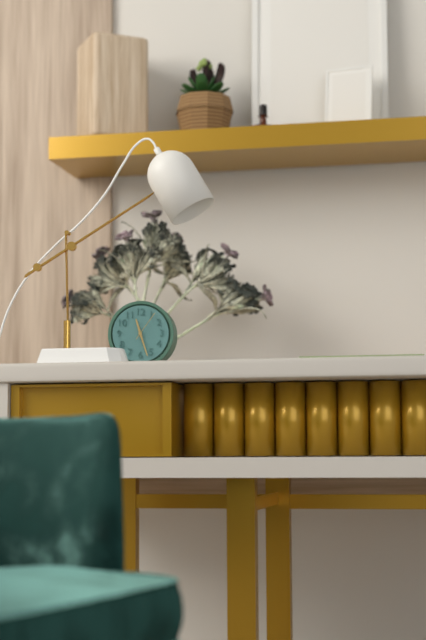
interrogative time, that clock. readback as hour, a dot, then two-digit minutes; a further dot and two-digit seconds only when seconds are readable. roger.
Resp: 11.27
